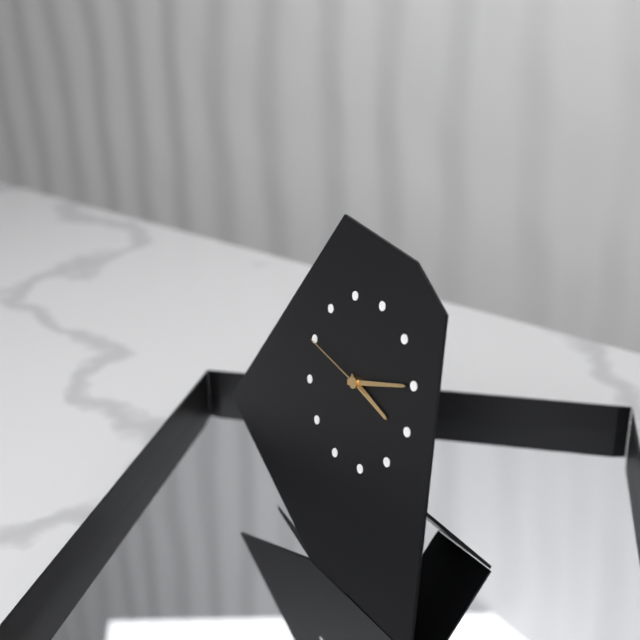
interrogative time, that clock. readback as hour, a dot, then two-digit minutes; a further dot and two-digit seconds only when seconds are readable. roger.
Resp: 3.10.45
